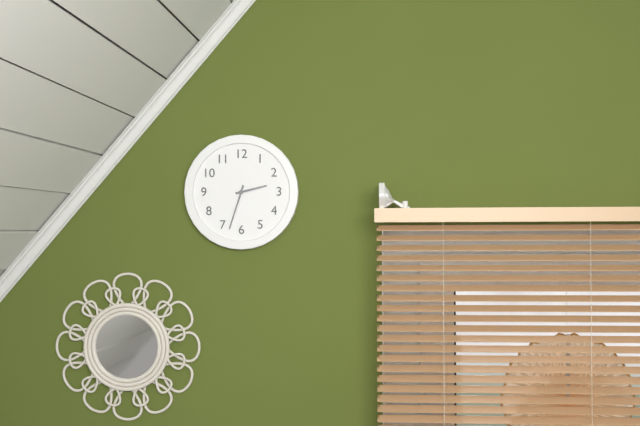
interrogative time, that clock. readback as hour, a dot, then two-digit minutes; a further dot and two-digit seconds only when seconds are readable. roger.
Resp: 2.33
